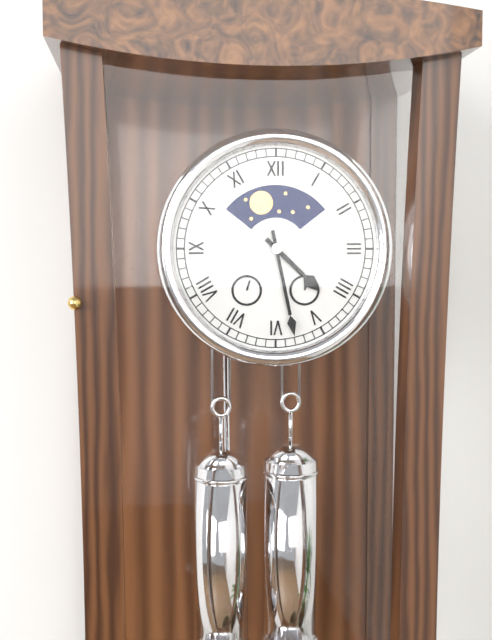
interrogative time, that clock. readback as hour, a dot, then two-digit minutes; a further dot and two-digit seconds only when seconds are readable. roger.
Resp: 4.28
